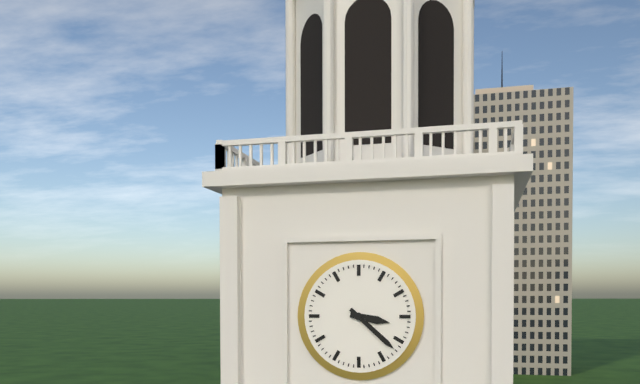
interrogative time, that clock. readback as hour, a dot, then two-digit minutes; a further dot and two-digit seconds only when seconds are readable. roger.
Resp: 3.22
